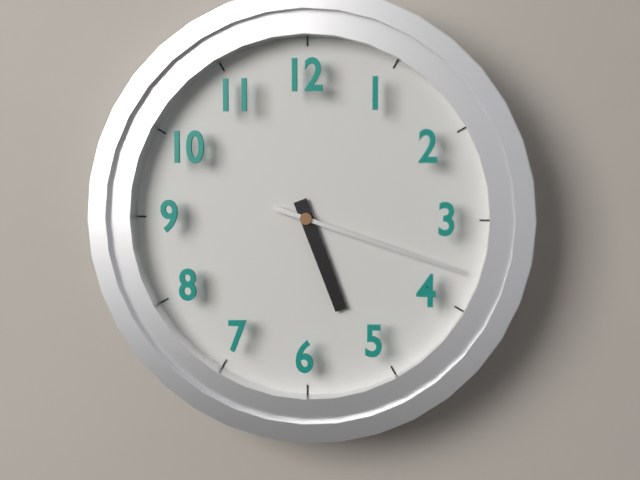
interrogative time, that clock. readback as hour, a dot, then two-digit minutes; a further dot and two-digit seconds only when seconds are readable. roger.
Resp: 5.18
